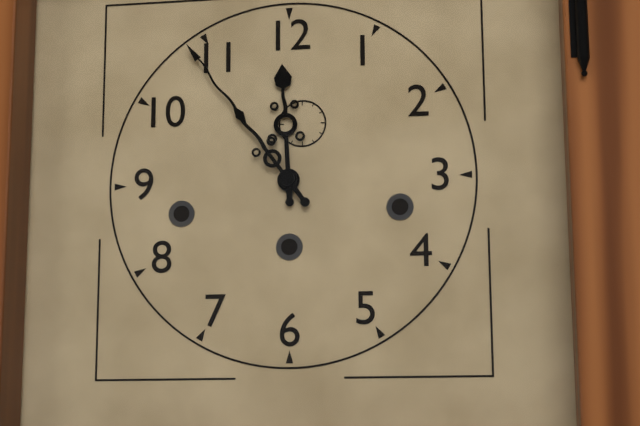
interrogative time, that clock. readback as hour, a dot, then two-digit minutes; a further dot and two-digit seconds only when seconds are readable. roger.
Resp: 11.54
